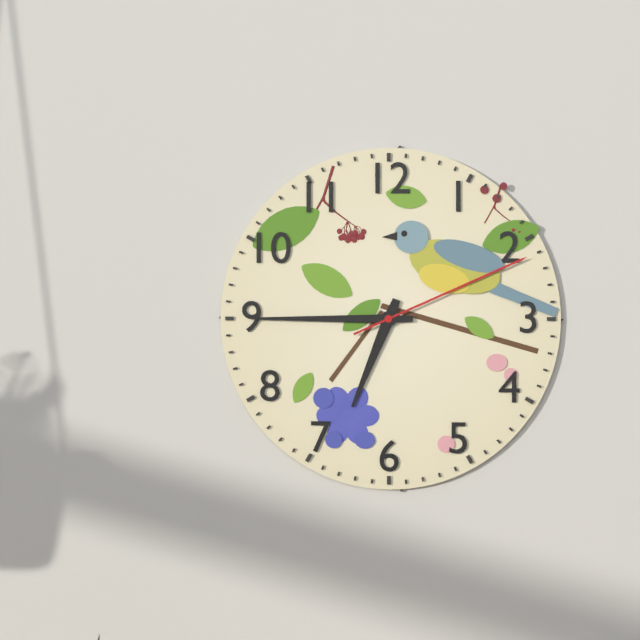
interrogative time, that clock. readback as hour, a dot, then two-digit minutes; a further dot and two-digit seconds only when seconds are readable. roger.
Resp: 6.45.11
